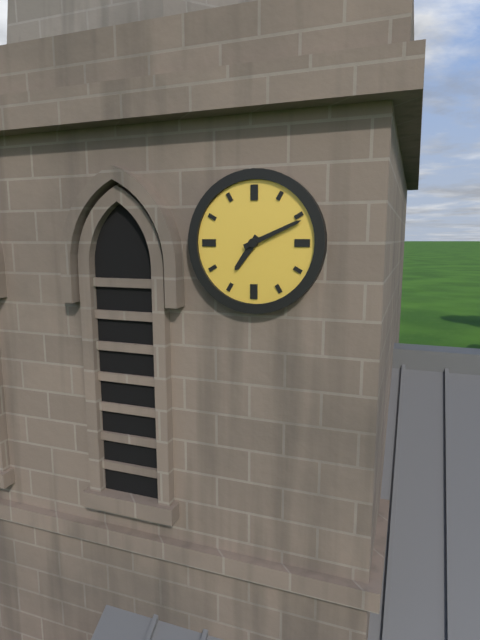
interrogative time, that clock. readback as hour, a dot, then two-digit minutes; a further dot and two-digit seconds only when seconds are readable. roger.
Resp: 7.11
